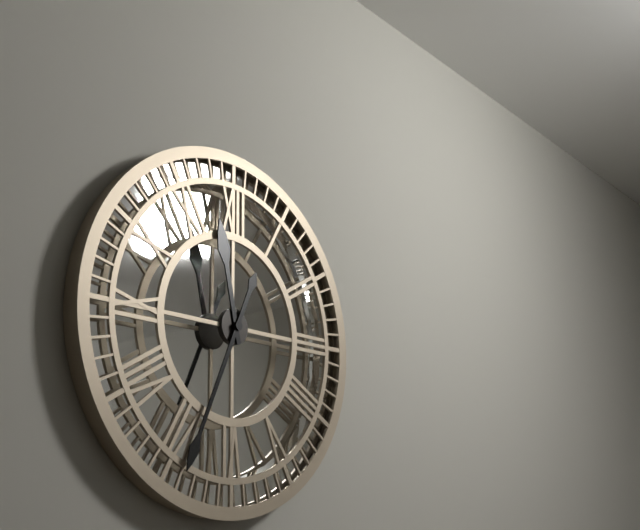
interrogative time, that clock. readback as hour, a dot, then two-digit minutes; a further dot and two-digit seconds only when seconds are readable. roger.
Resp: 11.34
